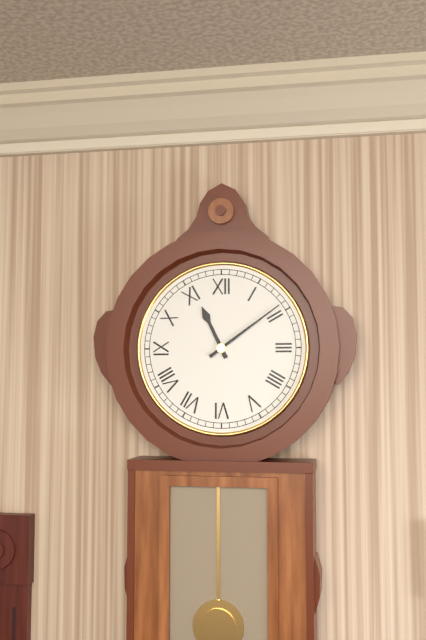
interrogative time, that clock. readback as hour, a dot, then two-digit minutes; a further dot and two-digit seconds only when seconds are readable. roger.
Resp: 11.09
